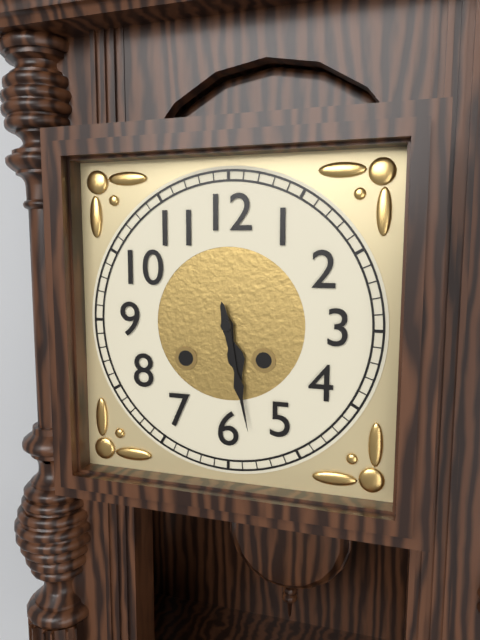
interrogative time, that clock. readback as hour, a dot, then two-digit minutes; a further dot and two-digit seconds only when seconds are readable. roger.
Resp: 5.28
